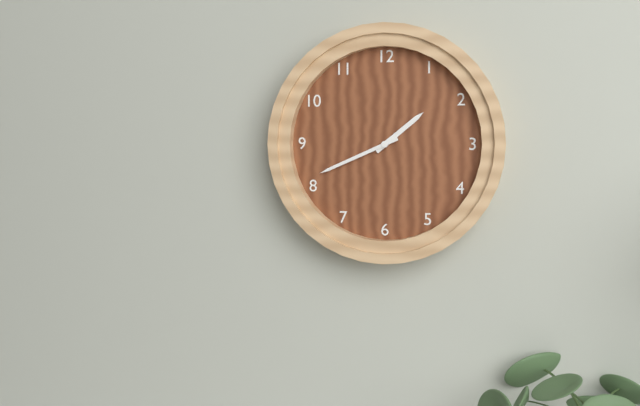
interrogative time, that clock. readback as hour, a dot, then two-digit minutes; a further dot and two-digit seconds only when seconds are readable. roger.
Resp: 1.41
